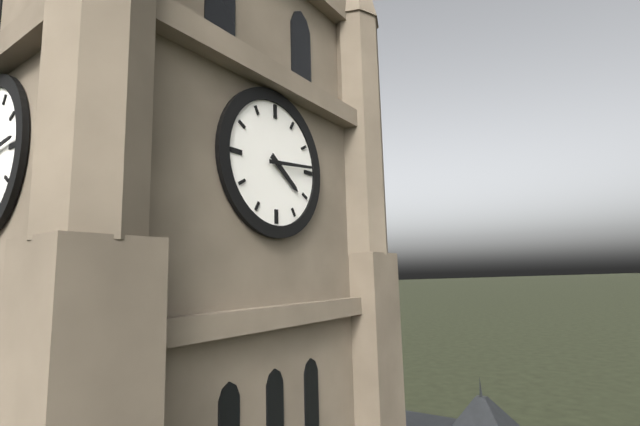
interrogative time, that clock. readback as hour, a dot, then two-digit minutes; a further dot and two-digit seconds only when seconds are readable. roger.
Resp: 4.14
